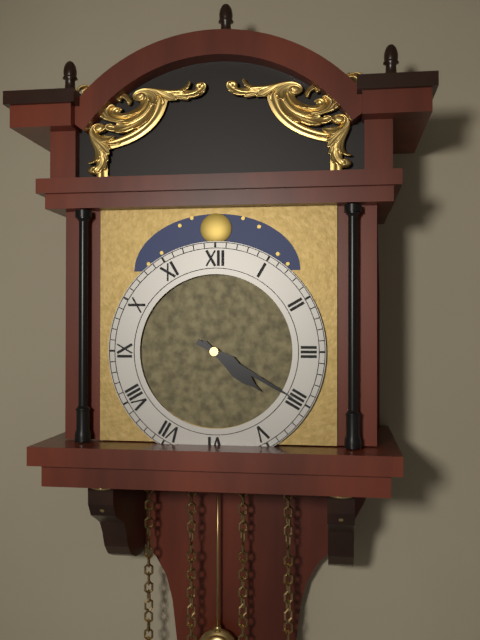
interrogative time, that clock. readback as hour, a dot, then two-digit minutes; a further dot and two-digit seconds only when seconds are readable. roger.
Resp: 4.20
